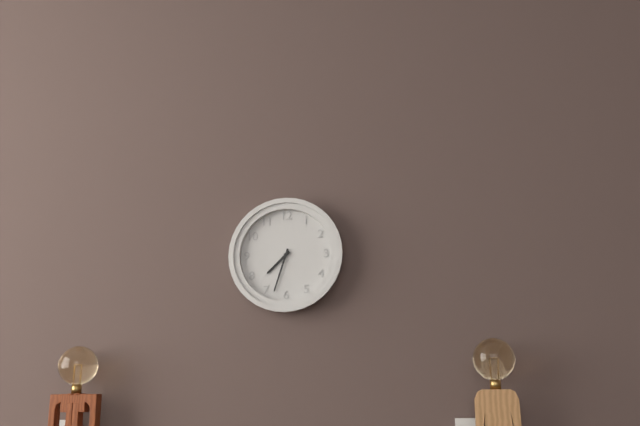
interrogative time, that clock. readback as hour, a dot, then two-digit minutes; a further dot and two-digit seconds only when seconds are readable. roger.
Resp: 7.33
